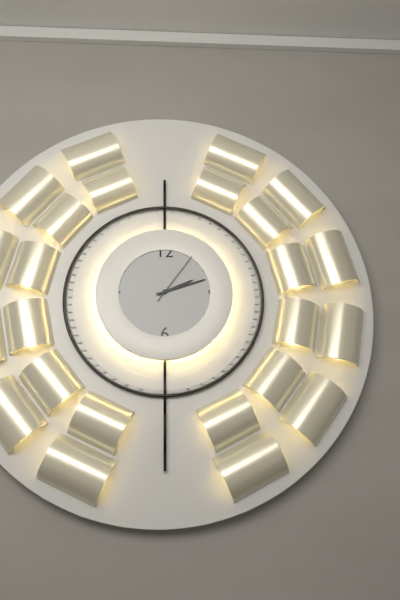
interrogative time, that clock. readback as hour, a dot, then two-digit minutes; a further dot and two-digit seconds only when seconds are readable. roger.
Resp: 2.12.06
